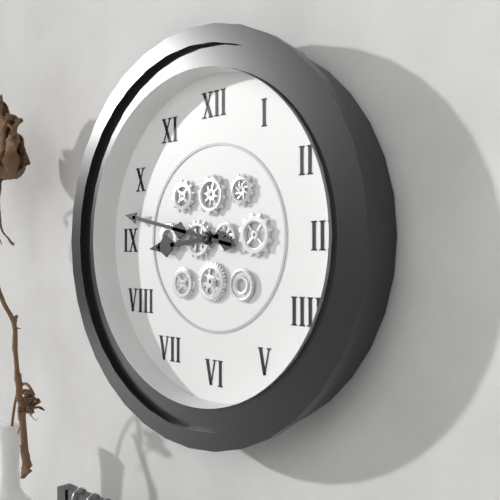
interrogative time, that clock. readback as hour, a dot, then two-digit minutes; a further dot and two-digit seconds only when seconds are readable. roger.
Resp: 8.47
